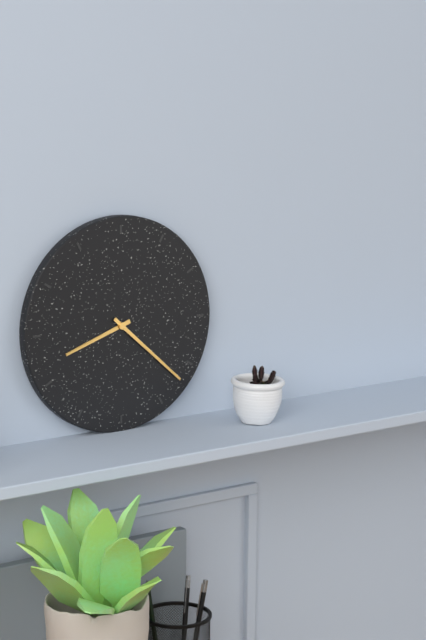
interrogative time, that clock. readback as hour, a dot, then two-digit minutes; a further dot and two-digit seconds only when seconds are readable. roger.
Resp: 8.22
